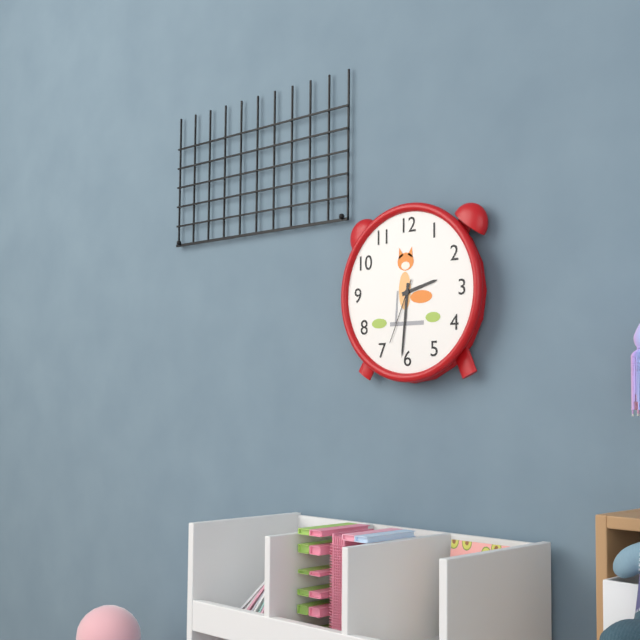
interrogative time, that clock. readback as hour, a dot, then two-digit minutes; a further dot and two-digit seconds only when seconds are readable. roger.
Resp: 2.31.34
